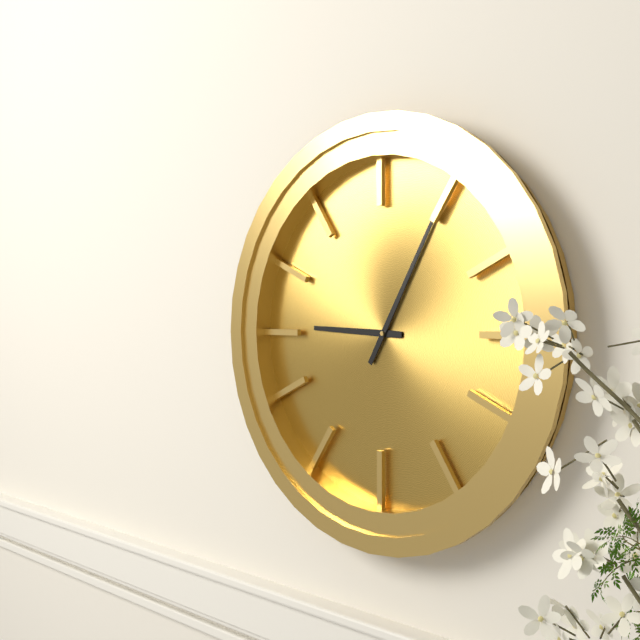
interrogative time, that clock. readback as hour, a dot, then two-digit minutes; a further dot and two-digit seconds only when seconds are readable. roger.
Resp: 9.05
